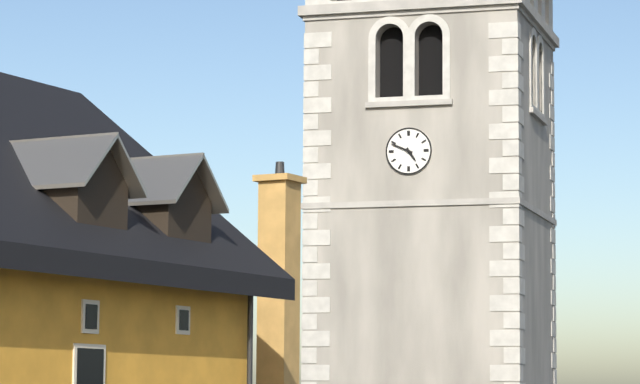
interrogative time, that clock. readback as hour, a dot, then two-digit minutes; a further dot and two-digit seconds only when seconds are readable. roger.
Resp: 4.49
